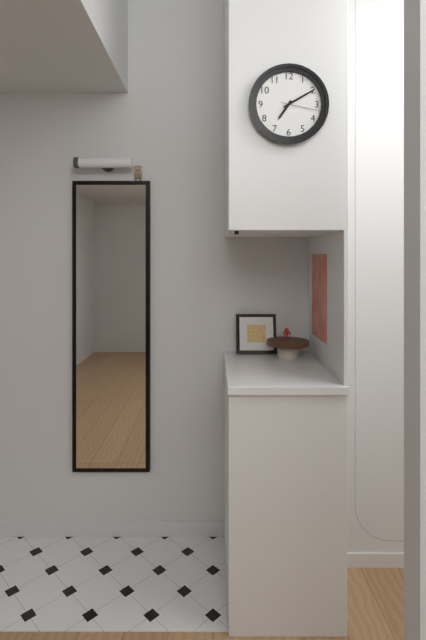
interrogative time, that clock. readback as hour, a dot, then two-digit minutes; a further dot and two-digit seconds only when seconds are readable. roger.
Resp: 7.10
